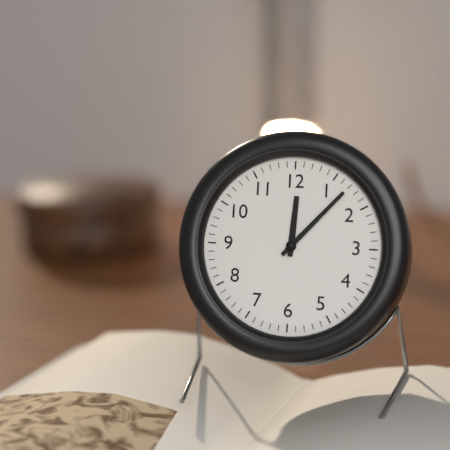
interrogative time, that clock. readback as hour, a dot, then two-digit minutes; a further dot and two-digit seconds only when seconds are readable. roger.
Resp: 12.07
